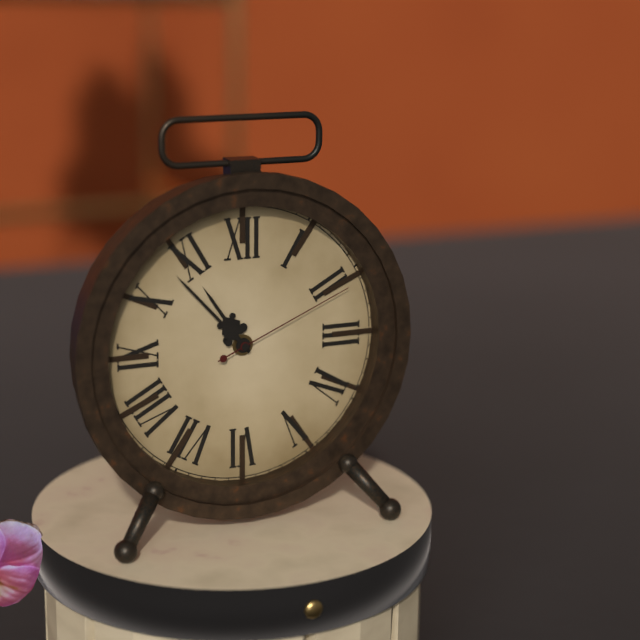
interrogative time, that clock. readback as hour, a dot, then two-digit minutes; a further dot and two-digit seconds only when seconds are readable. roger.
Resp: 10.53.11
